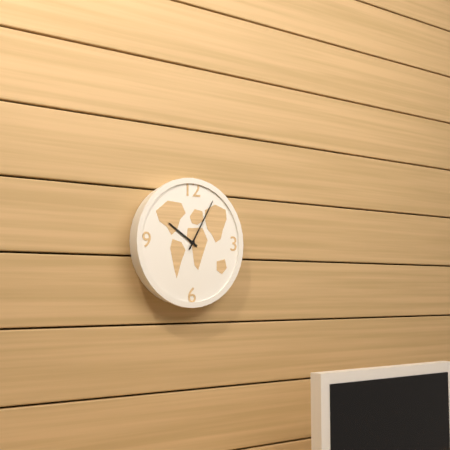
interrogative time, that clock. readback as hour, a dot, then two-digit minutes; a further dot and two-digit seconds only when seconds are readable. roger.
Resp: 10.05
